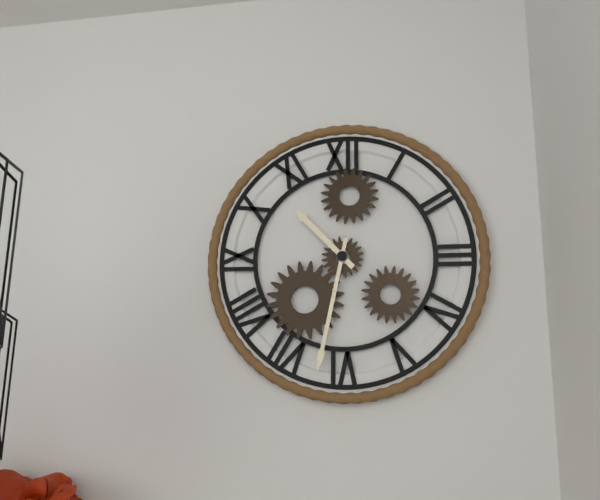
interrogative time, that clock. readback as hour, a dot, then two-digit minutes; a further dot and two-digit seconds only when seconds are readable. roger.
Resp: 10.32
